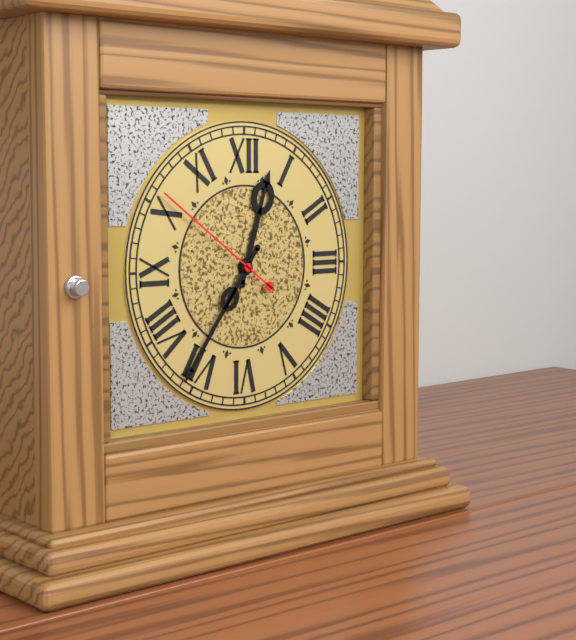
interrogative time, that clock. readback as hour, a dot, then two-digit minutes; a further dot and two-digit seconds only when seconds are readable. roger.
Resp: 12.36.51
